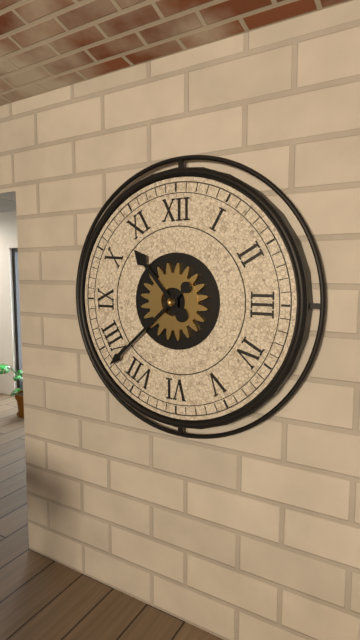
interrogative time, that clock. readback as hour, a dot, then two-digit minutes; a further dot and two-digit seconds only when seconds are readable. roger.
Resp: 10.38
